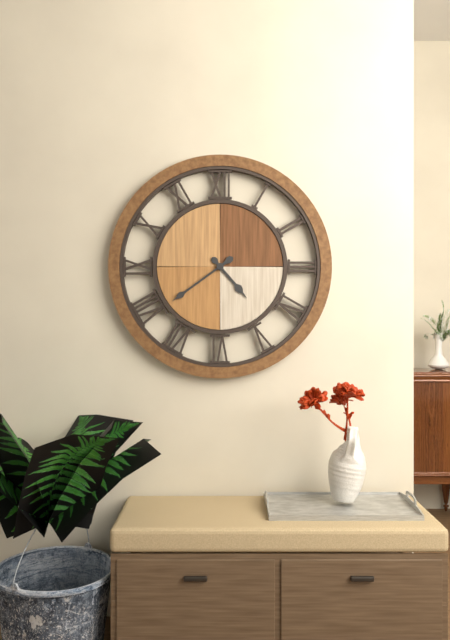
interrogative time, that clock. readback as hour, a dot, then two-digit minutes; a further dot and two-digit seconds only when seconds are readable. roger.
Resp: 4.39
